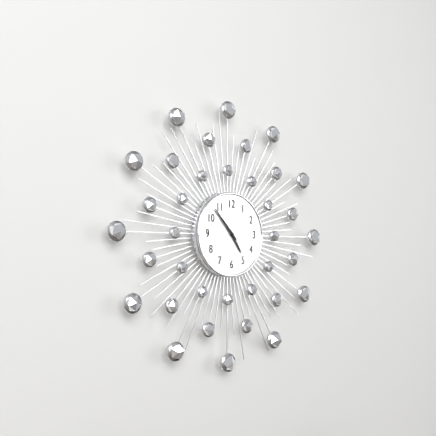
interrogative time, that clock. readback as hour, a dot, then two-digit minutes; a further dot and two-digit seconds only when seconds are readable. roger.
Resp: 4.53
